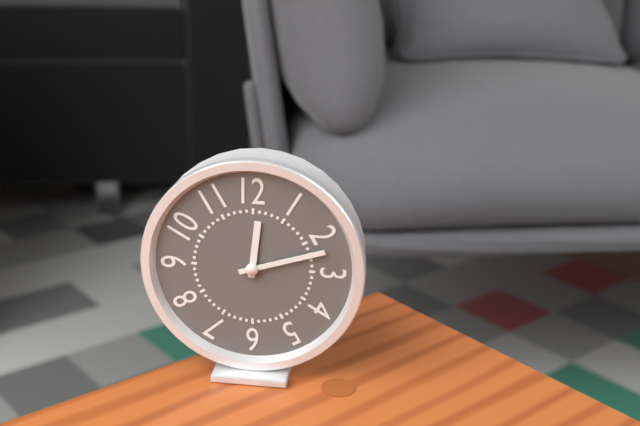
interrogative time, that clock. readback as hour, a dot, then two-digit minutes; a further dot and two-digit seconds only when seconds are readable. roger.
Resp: 12.12
